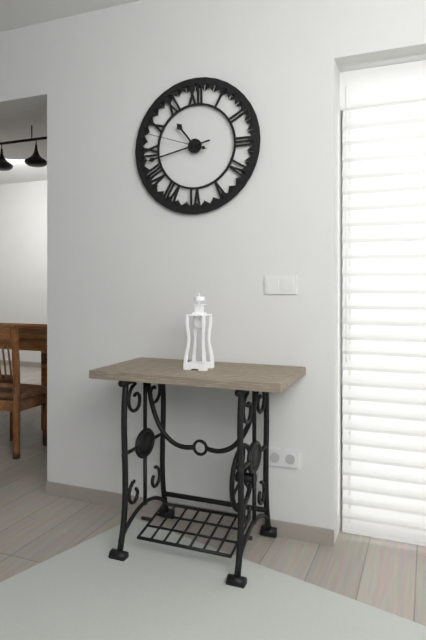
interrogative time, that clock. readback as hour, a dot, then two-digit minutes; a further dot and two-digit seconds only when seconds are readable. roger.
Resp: 10.43.48
